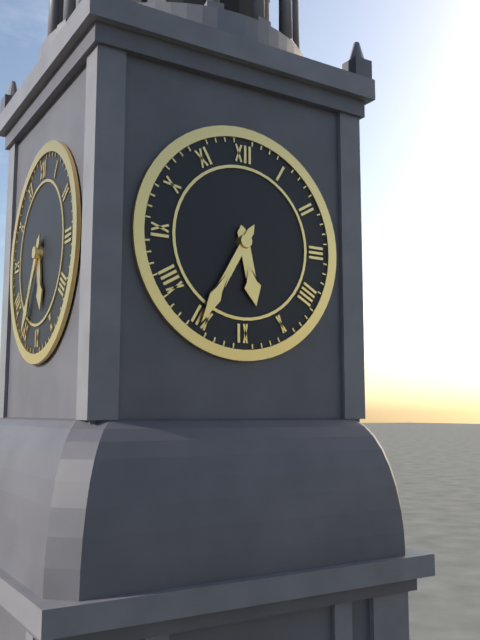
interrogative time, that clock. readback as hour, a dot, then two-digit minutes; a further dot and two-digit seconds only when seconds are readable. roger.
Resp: 5.35
